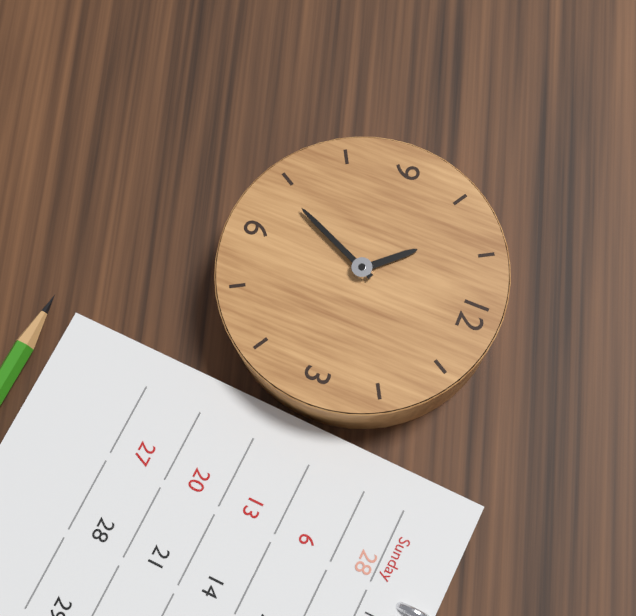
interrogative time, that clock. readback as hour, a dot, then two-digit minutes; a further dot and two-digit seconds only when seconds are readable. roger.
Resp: 10.34
